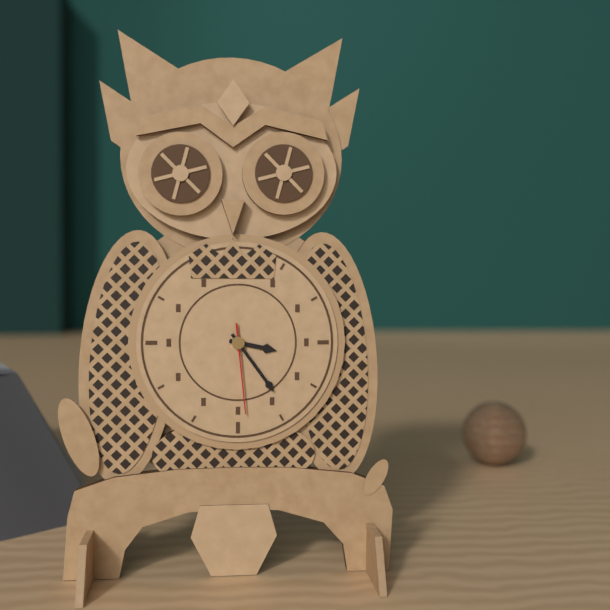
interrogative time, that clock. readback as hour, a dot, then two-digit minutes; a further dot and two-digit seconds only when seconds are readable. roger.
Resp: 3.24.29
